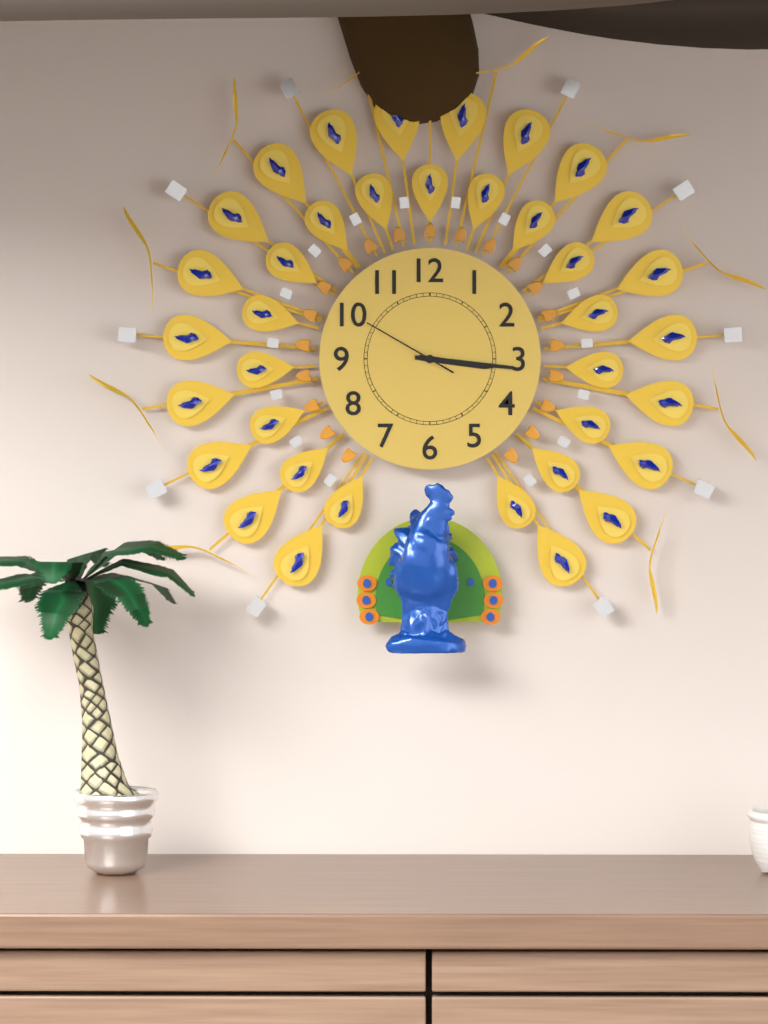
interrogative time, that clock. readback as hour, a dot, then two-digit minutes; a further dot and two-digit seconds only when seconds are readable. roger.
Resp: 3.16.50
